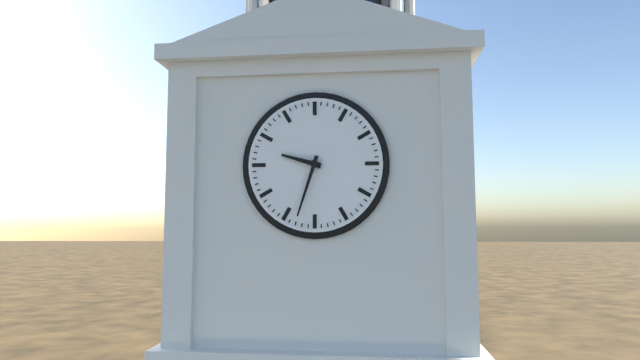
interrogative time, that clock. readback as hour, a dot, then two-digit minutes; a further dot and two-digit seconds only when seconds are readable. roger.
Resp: 9.33
